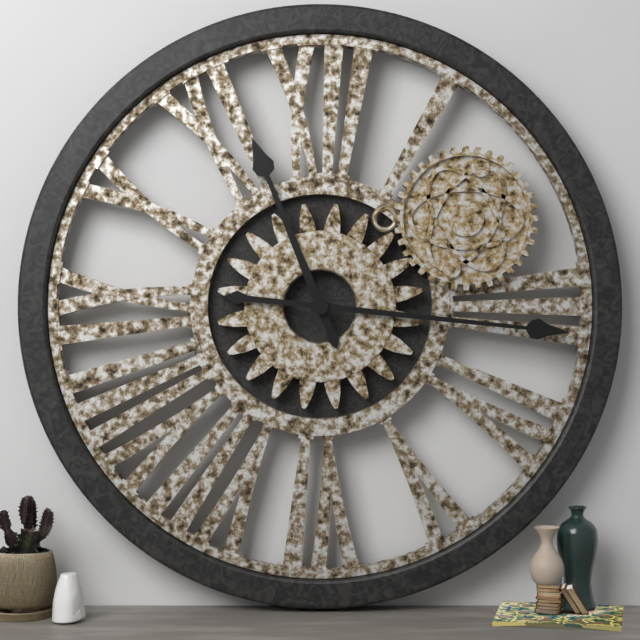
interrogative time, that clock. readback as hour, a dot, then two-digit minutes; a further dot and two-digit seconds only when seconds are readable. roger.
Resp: 11.16
